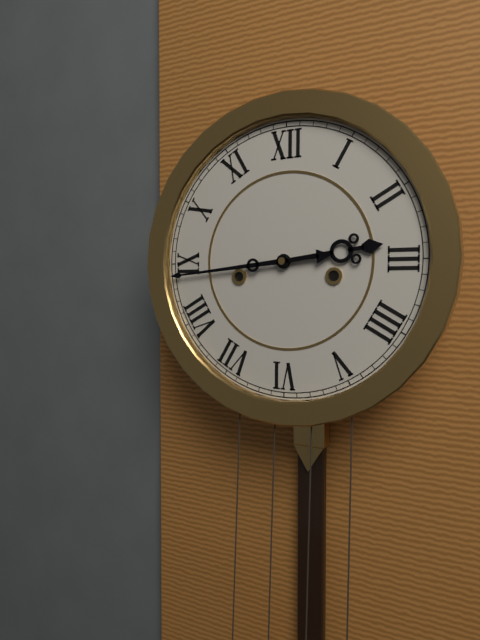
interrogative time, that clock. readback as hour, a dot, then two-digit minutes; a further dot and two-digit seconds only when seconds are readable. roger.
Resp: 2.44
